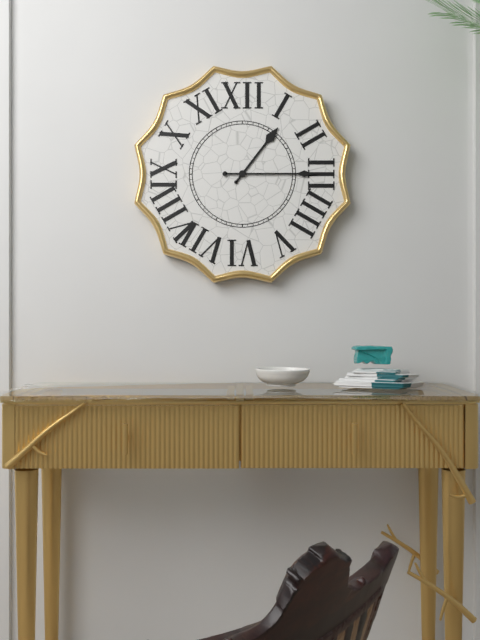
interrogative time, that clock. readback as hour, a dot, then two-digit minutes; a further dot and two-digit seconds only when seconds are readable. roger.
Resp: 1.15
